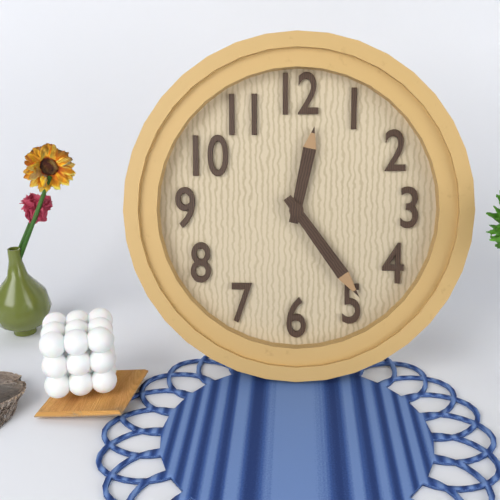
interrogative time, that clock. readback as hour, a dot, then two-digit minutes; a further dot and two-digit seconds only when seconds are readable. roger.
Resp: 12.24
